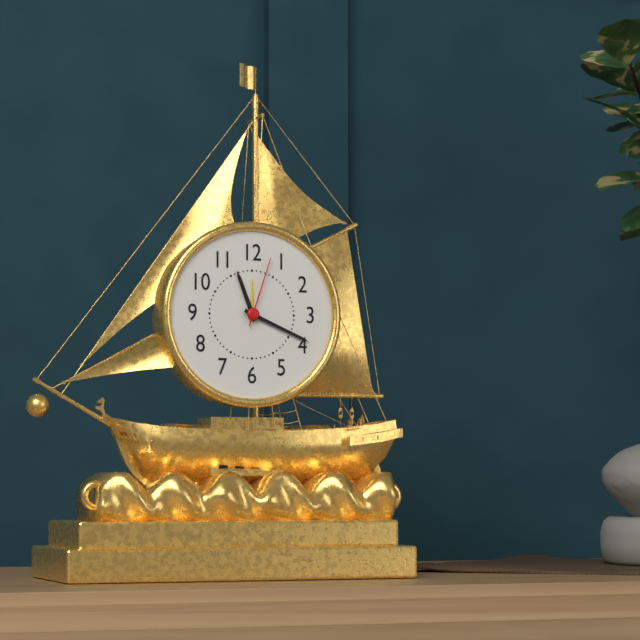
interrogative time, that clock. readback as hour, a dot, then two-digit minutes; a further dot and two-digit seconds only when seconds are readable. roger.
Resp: 11.19.03
